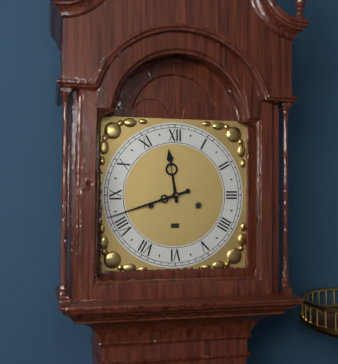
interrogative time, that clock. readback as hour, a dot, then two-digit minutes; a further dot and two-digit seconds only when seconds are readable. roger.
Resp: 11.42
